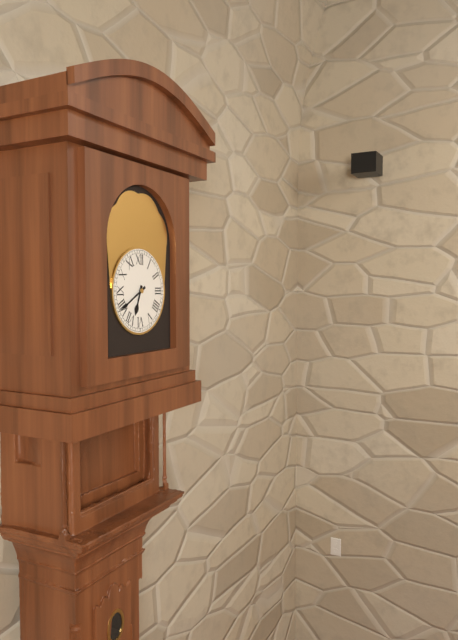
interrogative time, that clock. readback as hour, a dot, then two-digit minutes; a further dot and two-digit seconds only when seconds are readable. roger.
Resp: 6.40
